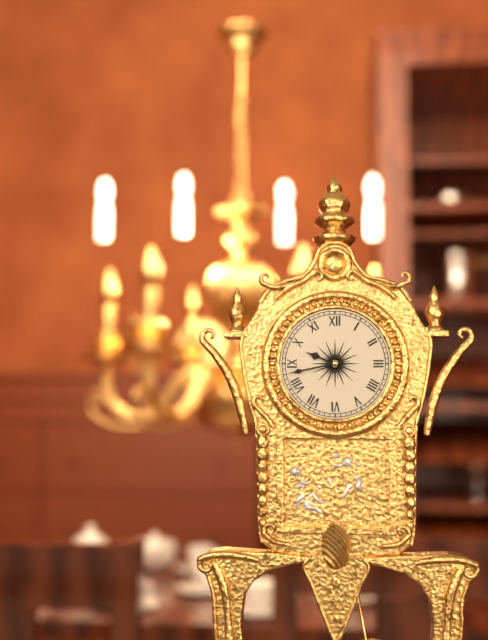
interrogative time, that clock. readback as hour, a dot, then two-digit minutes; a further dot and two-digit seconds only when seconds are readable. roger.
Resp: 9.43
